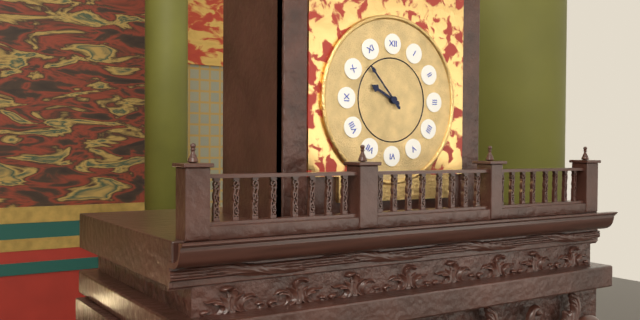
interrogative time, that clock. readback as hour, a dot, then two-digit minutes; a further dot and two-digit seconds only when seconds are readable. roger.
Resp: 9.53
